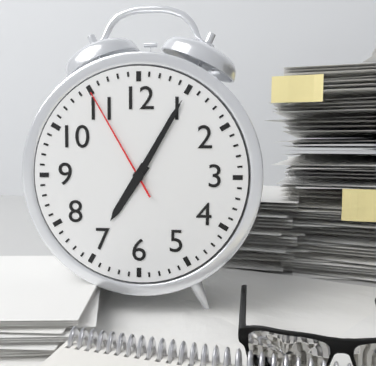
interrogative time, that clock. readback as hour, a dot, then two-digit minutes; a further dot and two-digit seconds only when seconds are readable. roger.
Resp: 7.05.55
